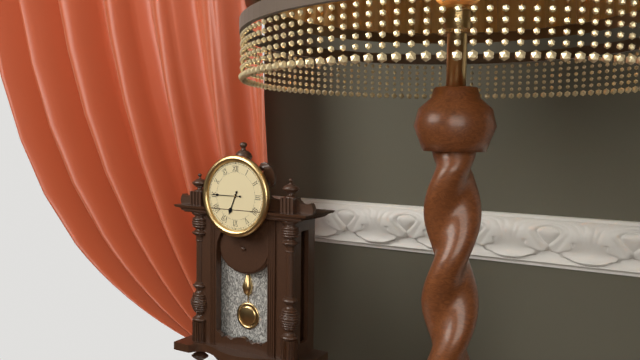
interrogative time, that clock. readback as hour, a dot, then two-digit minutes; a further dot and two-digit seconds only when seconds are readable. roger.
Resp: 6.45
